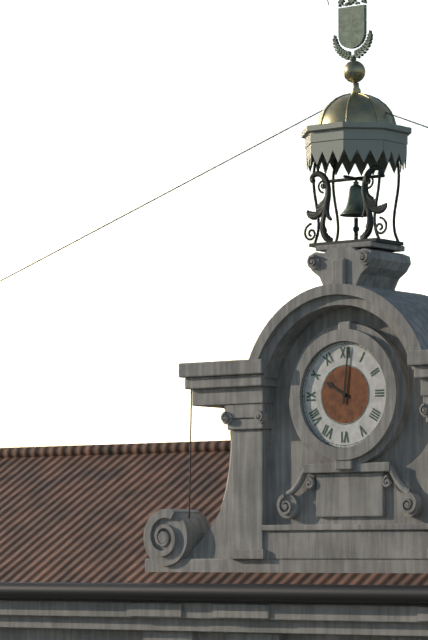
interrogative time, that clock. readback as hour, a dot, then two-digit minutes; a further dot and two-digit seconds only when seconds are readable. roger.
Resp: 10.01
